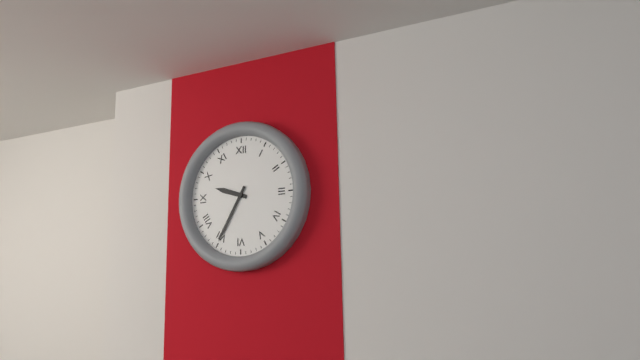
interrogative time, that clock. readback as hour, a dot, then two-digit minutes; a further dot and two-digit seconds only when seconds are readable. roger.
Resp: 9.35
